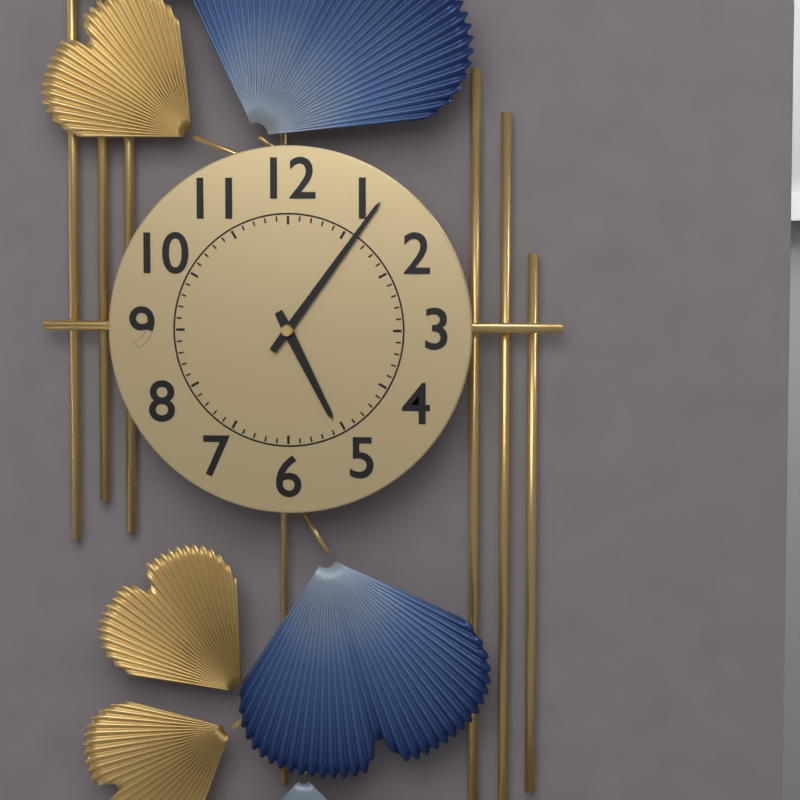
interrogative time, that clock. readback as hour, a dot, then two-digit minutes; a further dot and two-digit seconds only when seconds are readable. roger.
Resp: 5.06
